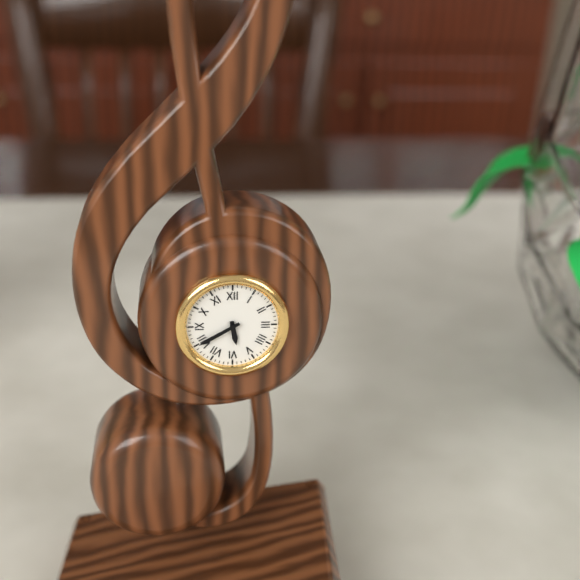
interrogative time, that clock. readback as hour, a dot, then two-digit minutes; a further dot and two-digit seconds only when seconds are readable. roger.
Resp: 5.40
